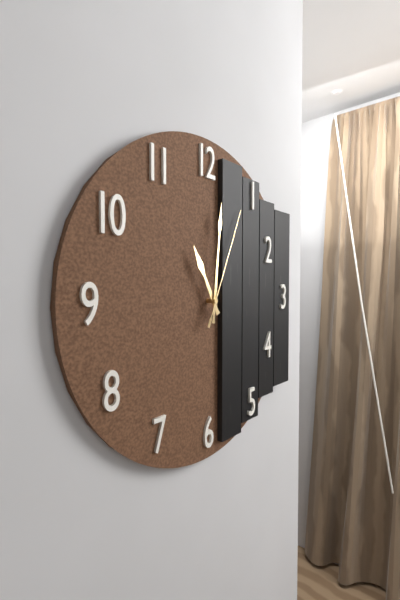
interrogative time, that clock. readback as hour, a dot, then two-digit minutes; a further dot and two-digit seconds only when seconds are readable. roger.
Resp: 11.01.04
